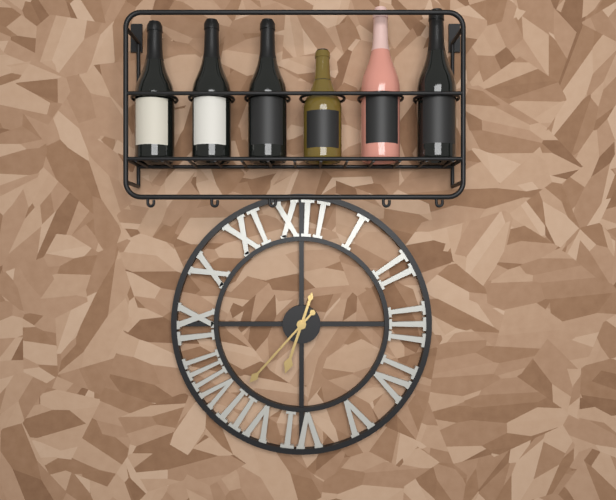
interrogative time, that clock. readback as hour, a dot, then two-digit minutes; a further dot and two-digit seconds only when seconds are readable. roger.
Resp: 6.37
